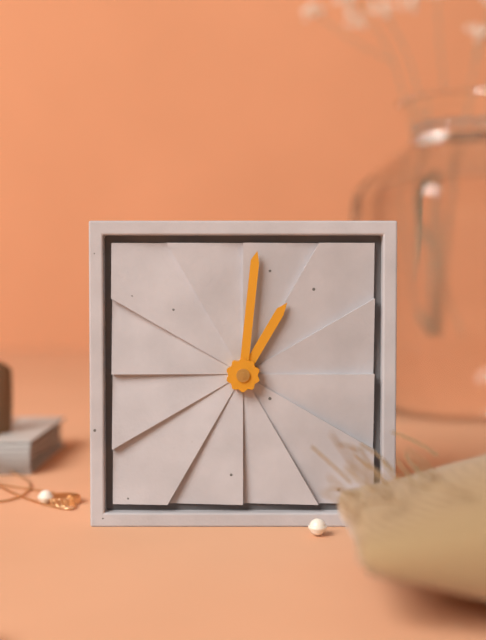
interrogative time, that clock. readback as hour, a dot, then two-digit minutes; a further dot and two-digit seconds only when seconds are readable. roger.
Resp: 1.01
